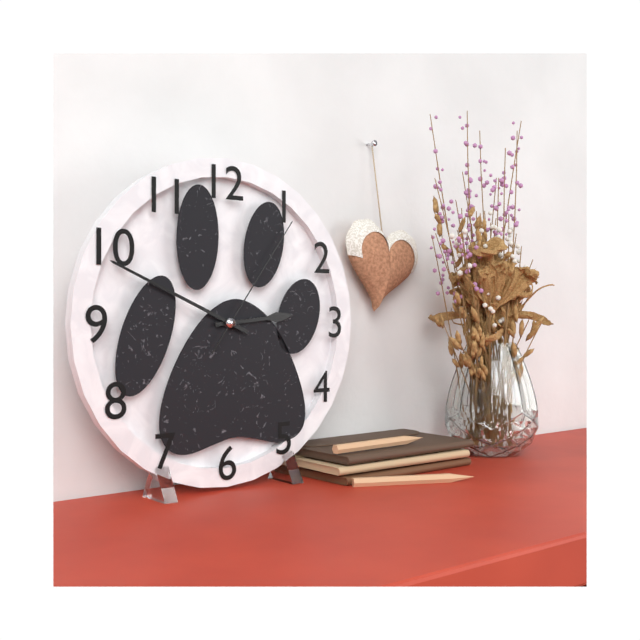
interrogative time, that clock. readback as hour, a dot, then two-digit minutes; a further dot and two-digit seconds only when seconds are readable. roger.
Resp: 2.49.06
